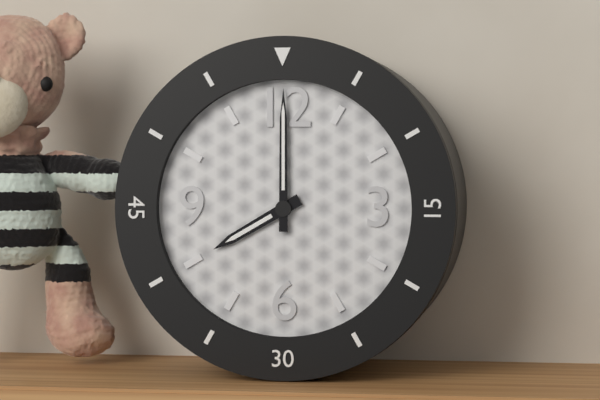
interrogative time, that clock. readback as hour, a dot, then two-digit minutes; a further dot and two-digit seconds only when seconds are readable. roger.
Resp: 8.00
